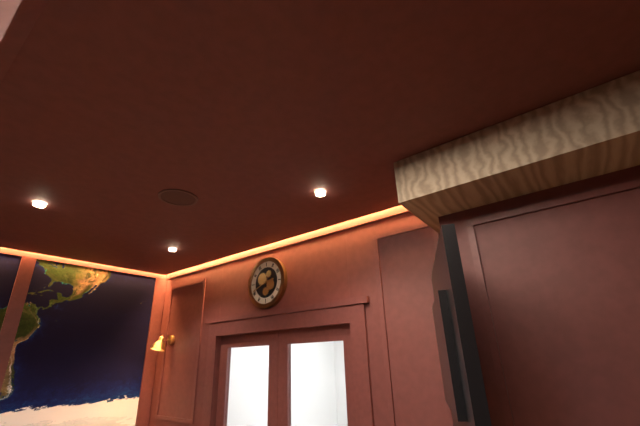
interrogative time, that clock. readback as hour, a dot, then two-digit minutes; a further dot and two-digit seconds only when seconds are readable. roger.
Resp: 2.41
